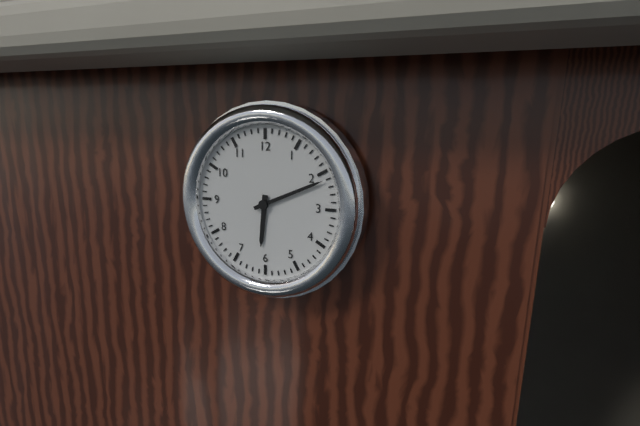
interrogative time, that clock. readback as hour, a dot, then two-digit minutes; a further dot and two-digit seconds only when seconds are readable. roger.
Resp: 6.11
